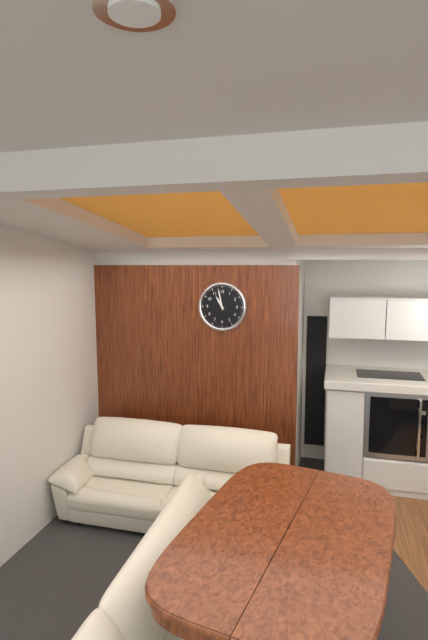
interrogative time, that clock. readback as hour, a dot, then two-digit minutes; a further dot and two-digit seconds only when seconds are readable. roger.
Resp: 10.58
